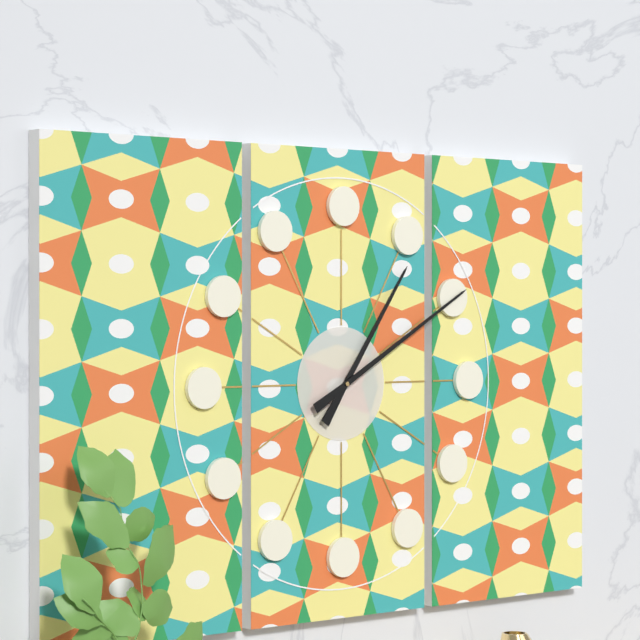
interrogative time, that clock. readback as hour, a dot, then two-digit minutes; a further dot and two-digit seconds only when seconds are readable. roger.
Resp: 1.10
